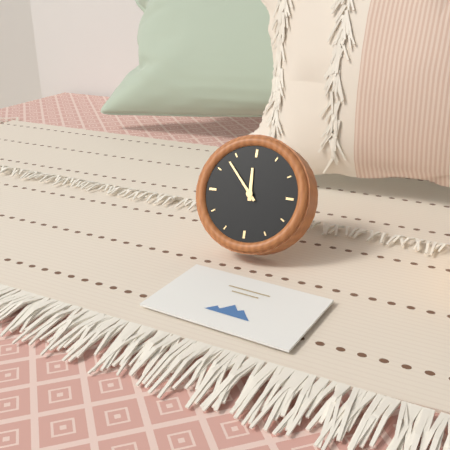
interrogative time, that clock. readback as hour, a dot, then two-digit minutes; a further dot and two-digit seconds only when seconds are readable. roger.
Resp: 11.53
